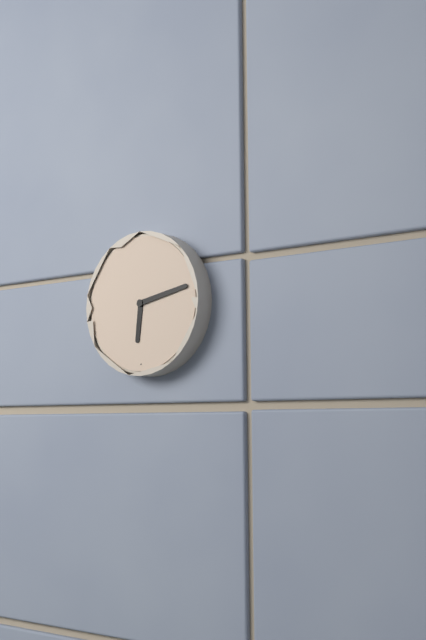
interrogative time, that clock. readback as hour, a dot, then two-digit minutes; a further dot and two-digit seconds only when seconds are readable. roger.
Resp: 6.13
